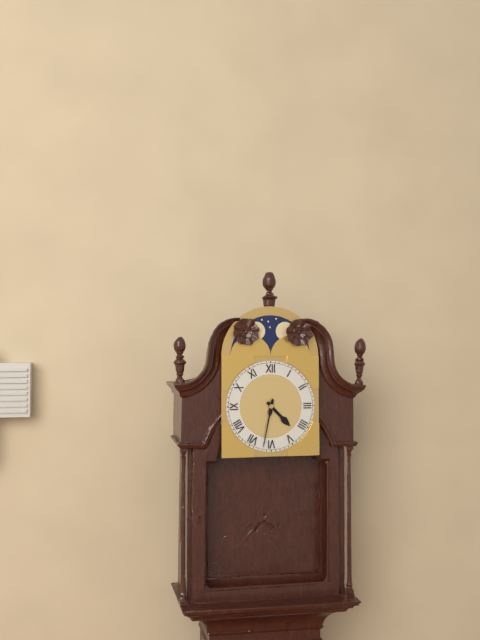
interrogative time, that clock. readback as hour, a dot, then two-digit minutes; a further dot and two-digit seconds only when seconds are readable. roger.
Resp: 4.32
